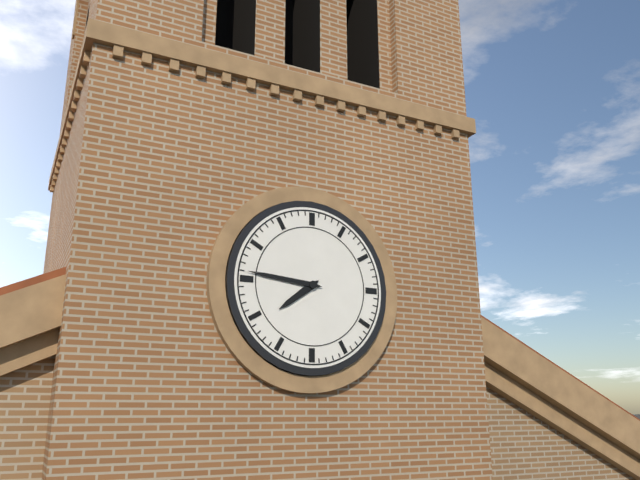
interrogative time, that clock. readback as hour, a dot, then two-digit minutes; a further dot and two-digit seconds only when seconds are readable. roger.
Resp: 7.46
